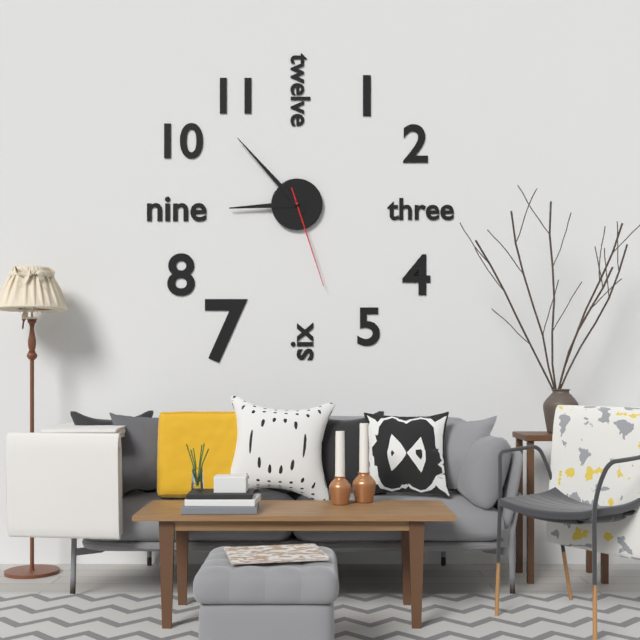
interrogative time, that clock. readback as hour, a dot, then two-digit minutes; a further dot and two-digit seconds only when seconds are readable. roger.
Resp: 8.53.27
